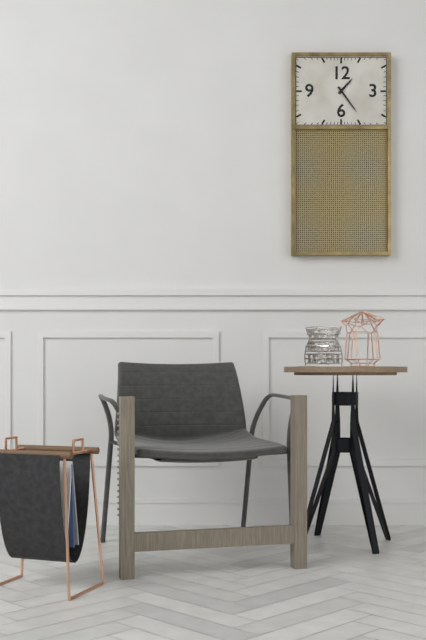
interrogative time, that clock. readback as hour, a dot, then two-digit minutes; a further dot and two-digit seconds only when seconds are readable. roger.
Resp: 1.24
